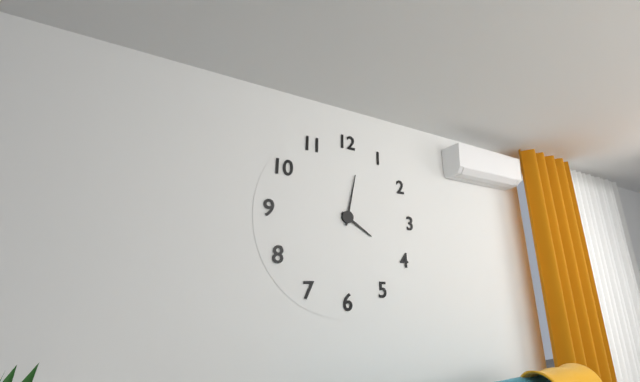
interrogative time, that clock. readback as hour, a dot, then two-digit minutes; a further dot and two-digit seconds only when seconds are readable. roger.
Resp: 4.02
